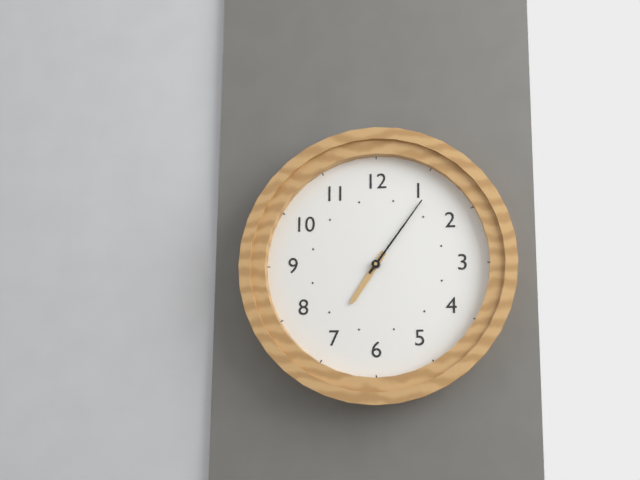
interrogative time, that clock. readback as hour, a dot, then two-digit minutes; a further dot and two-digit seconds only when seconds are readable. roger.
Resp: 7.06
